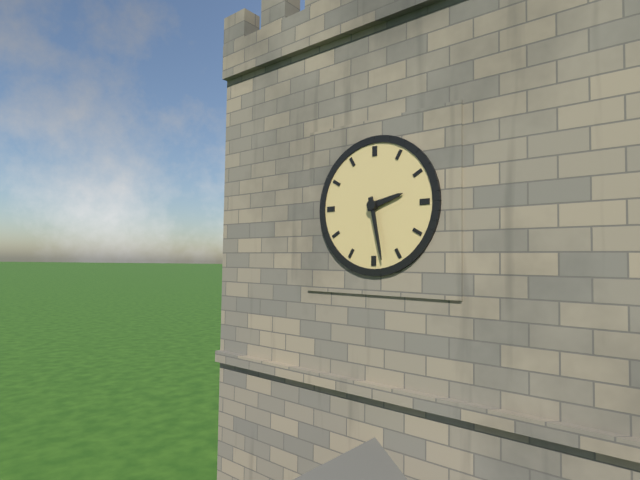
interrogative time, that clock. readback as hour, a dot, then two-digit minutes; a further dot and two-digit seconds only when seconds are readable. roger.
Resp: 2.28
